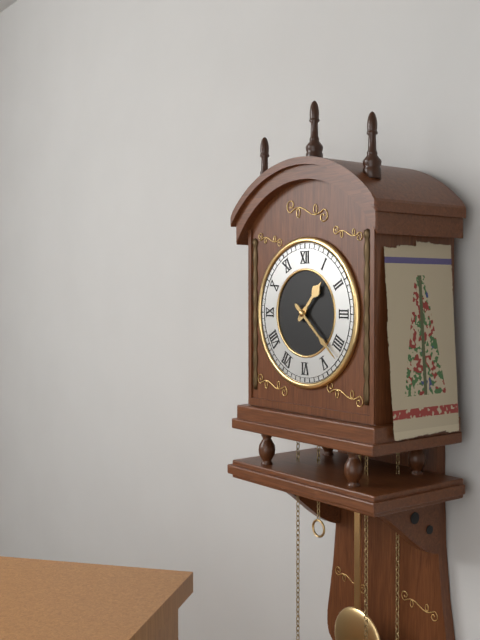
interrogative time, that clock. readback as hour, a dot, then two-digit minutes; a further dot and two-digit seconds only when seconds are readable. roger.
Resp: 1.22
